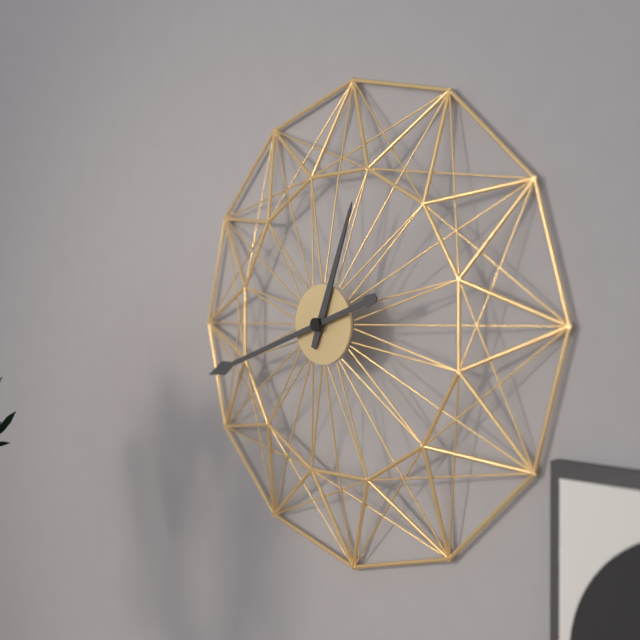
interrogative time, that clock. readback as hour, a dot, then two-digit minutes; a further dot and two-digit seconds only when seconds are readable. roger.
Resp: 12.42
